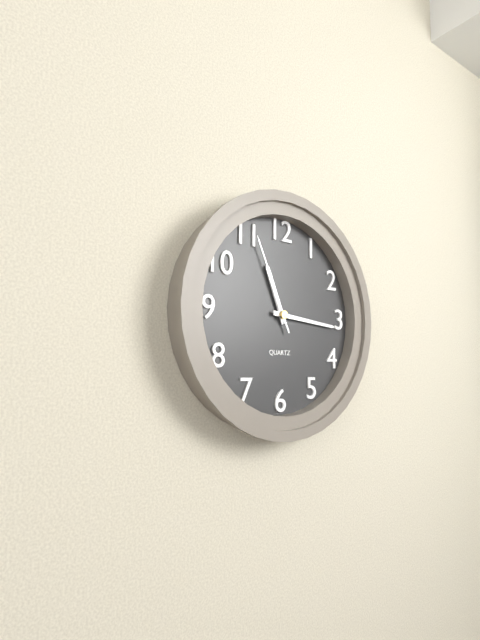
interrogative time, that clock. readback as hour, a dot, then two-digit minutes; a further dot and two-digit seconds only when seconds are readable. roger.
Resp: 11.16.56
